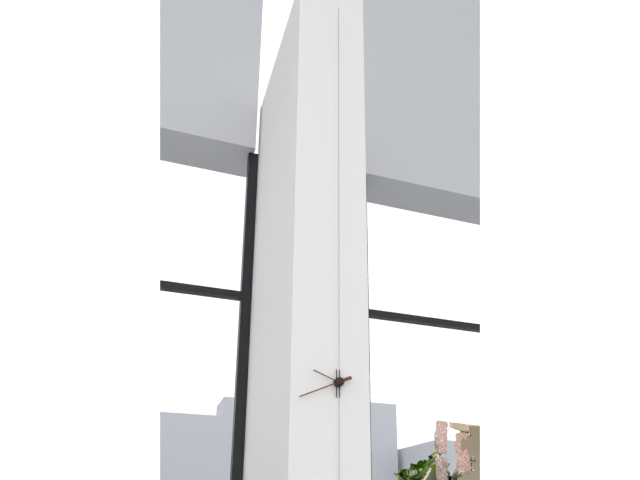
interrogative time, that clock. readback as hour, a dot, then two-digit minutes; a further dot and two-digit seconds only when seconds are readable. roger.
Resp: 9.41
